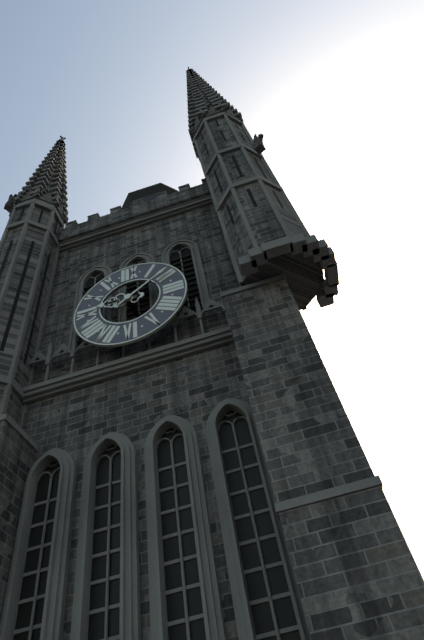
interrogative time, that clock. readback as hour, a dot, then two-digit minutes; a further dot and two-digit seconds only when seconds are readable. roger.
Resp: 9.09
